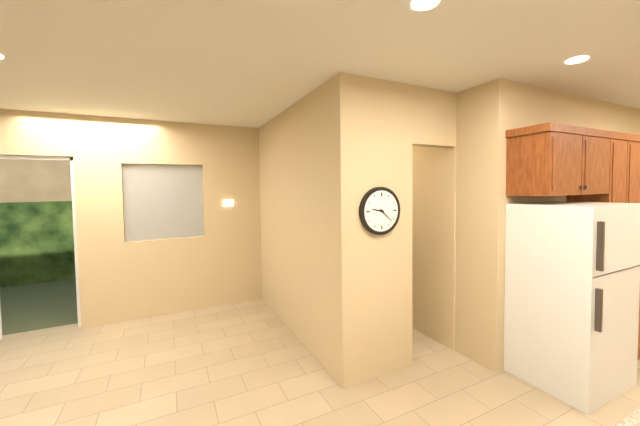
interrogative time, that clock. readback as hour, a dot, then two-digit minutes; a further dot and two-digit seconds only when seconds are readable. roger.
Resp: 9.22
